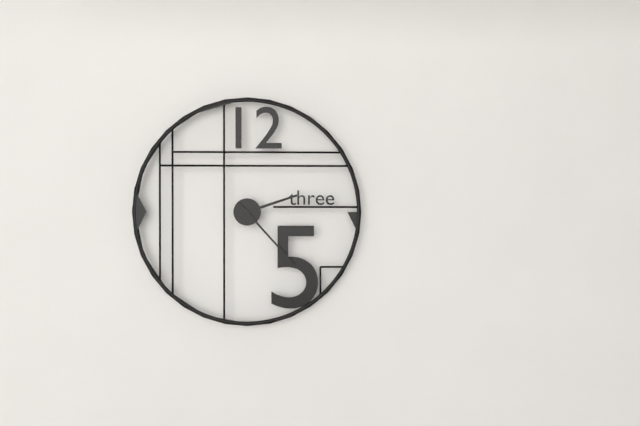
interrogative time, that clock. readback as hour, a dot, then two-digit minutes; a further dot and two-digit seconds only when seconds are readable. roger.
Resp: 2.23
